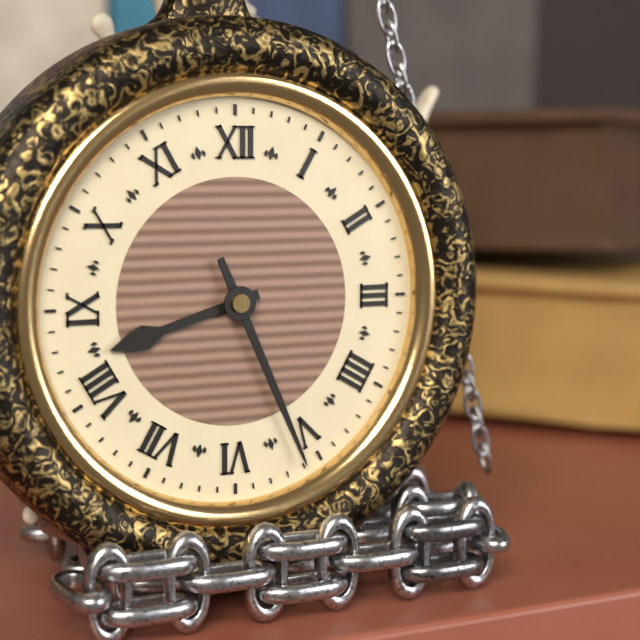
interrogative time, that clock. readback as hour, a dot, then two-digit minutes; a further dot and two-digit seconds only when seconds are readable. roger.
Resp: 8.26
